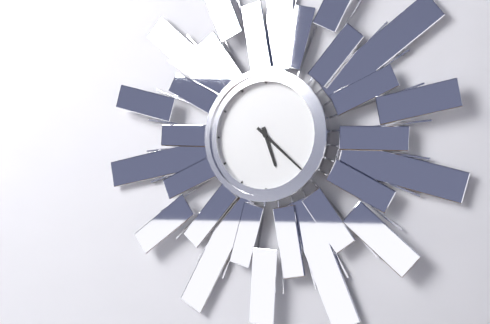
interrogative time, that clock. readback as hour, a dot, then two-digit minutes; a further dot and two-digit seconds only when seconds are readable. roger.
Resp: 5.22
